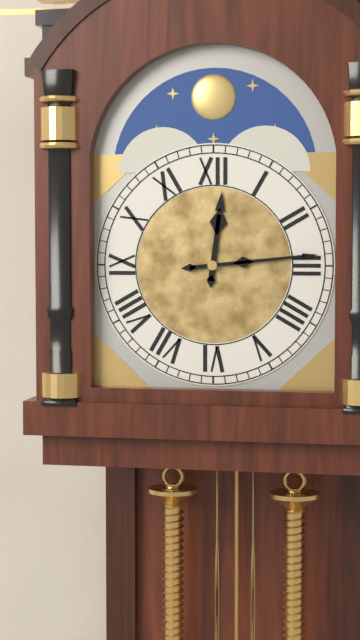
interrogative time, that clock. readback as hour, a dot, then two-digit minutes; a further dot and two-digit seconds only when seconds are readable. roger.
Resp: 12.14
